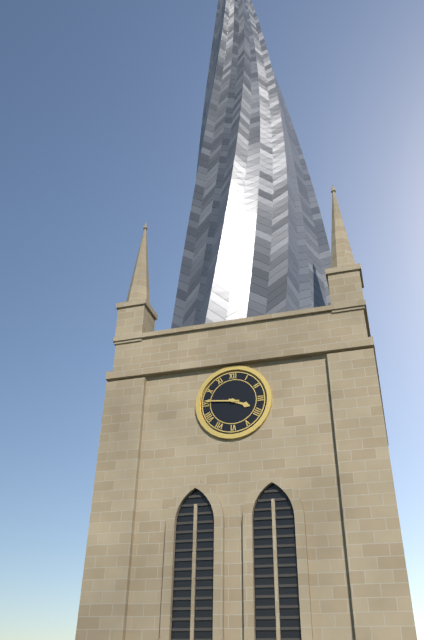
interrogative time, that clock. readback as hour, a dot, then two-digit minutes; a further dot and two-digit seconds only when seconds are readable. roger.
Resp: 3.46
